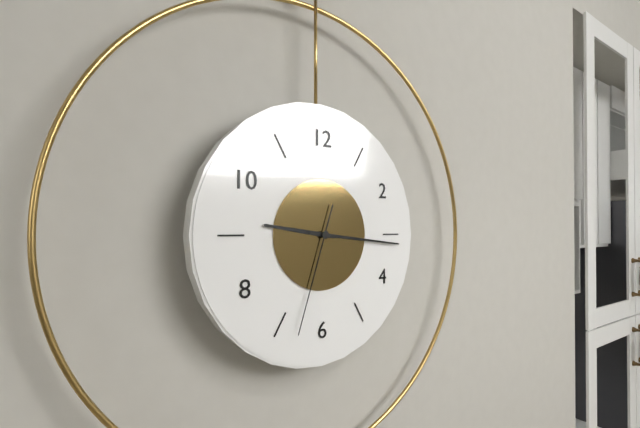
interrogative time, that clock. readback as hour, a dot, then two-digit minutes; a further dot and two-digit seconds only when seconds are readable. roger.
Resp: 9.16.33
